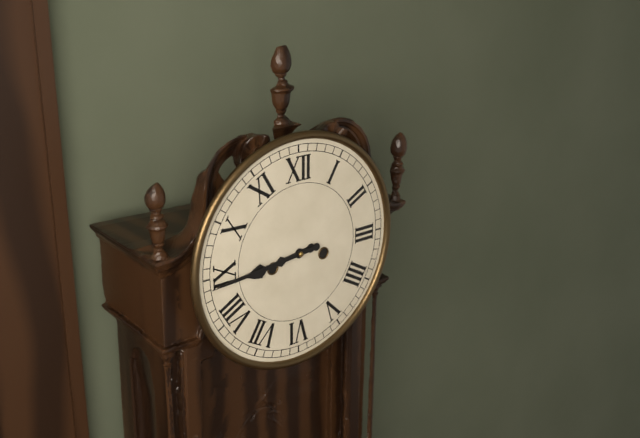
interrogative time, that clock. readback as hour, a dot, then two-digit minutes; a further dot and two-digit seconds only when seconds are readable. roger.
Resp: 8.44
